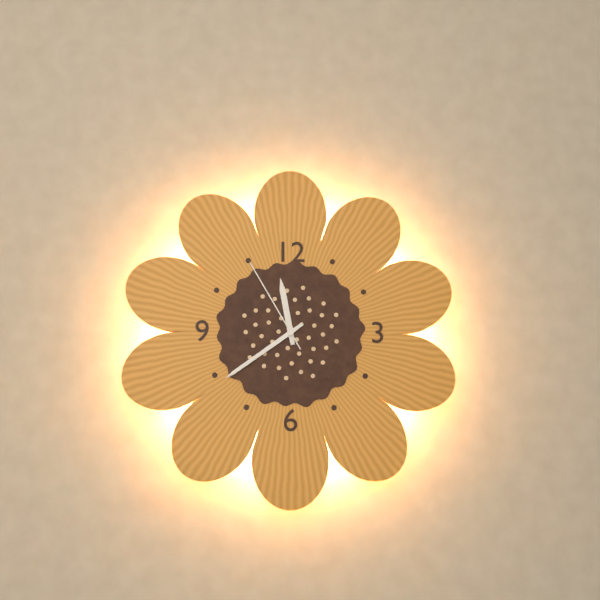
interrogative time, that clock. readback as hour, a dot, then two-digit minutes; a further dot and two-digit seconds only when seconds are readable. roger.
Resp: 11.39.55
